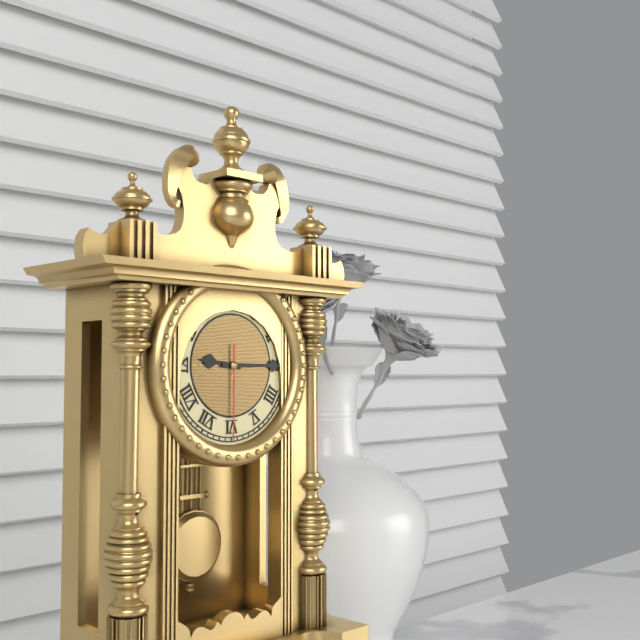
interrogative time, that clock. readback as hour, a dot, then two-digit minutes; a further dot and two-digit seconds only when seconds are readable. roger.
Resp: 9.15.30
